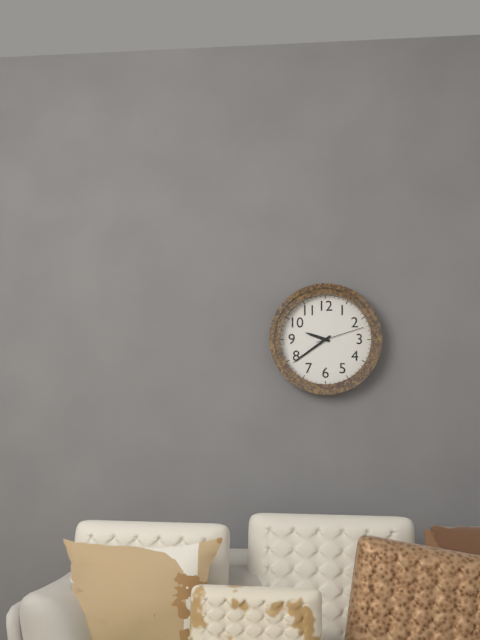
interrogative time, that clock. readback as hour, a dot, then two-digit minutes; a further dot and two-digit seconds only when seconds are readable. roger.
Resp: 9.39
